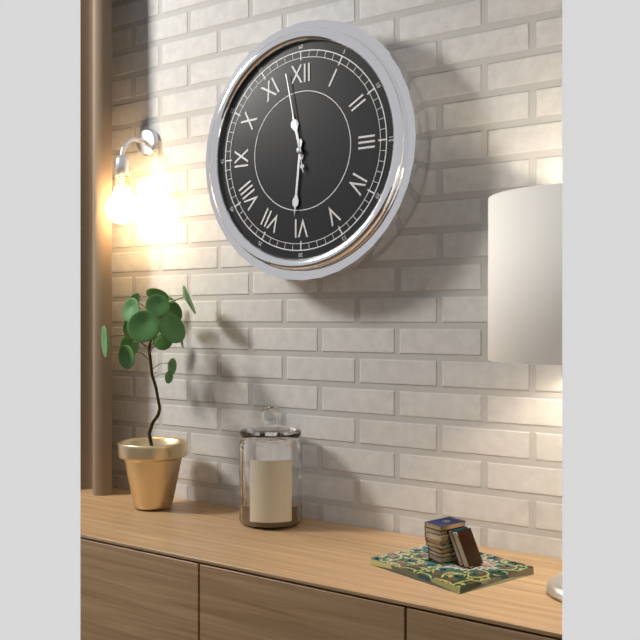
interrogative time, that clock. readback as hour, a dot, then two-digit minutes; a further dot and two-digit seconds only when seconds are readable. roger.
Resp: 11.31.58
